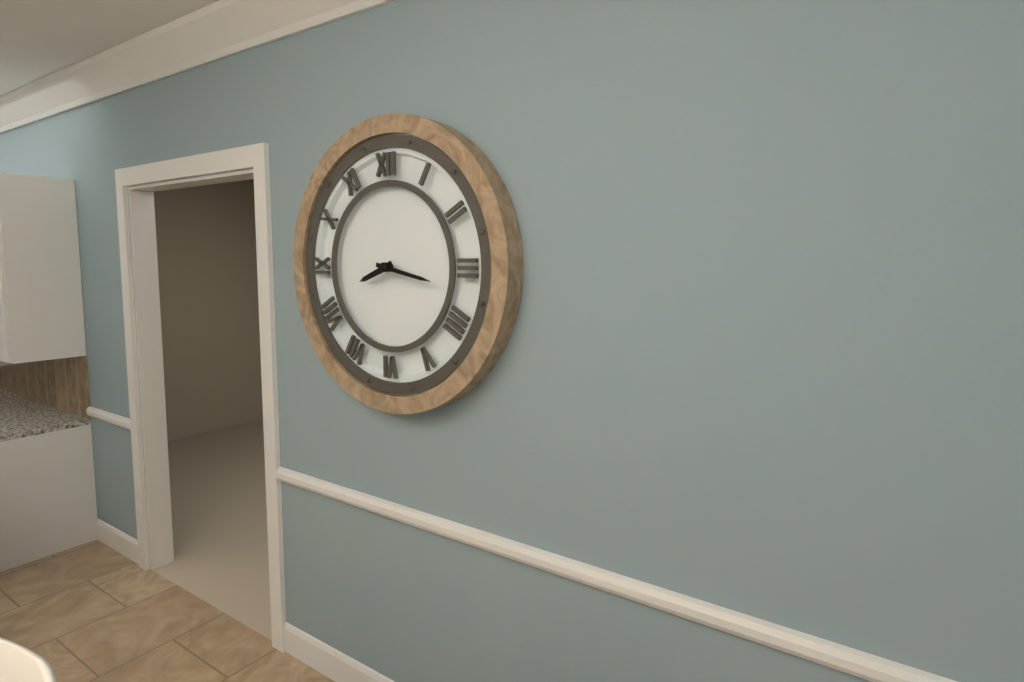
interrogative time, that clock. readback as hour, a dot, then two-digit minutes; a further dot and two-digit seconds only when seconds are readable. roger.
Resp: 8.17
